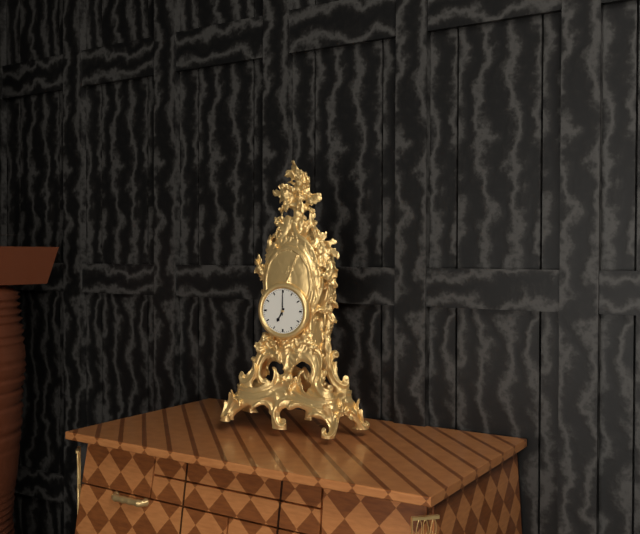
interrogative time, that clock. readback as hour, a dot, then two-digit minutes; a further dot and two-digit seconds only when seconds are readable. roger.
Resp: 7.00
